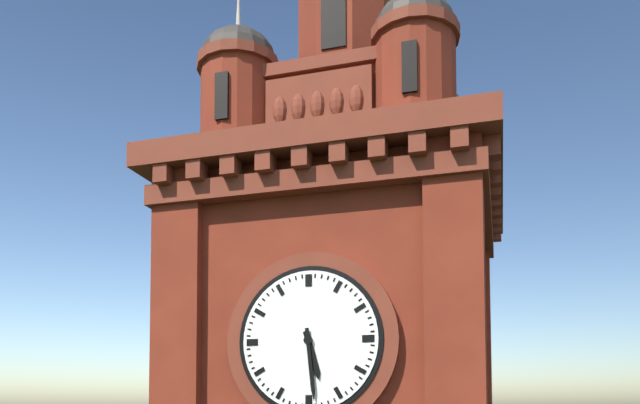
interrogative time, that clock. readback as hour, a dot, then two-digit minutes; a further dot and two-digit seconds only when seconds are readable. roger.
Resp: 5.29
